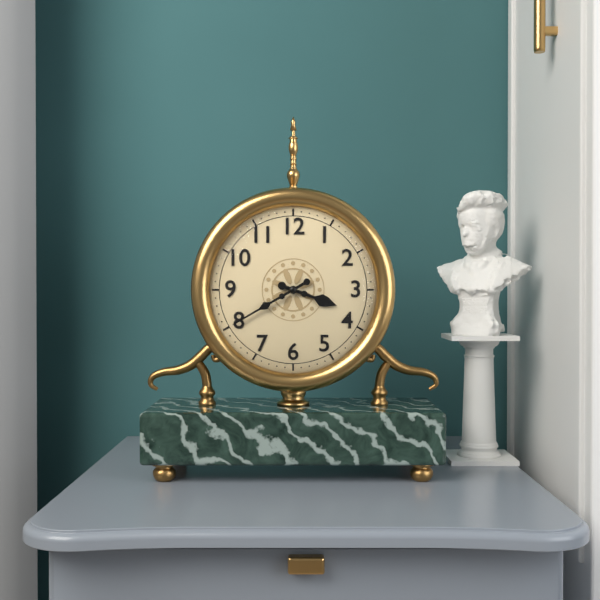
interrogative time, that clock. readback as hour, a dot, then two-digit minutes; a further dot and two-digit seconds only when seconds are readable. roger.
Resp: 3.40
